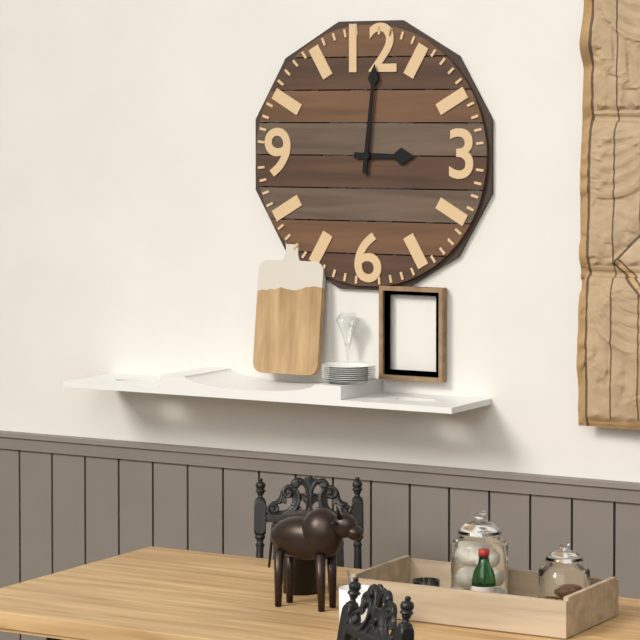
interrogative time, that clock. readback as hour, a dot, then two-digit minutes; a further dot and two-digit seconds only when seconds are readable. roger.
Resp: 3.01
